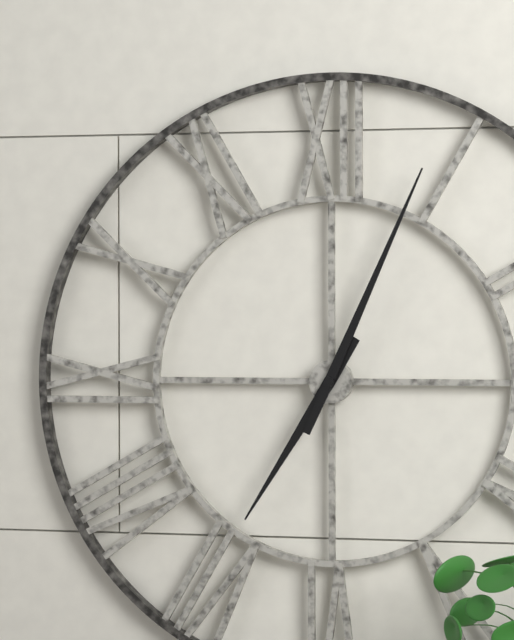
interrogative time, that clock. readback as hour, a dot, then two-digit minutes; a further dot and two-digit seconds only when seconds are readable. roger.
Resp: 7.04
